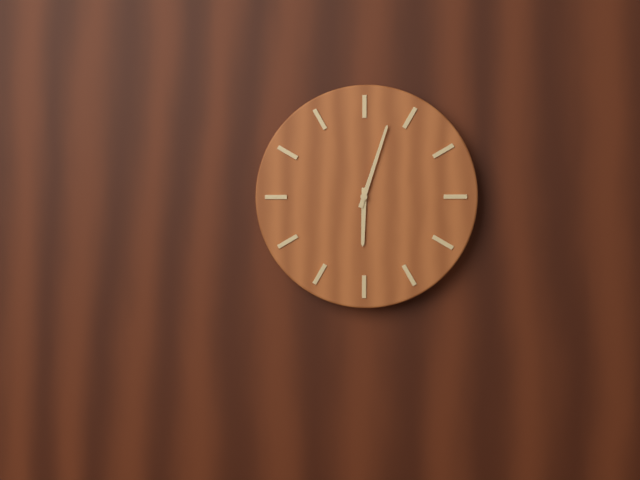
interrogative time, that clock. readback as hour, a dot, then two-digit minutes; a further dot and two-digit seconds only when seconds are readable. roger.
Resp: 6.03
